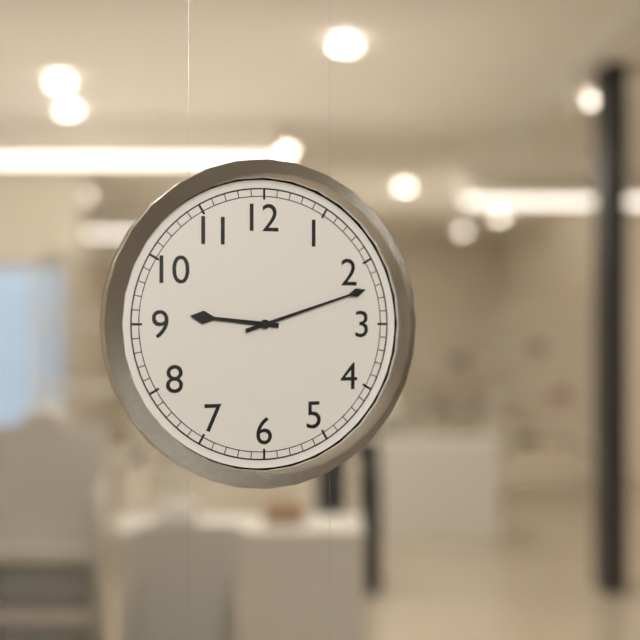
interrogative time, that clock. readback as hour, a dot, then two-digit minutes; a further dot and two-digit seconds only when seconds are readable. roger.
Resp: 9.12
